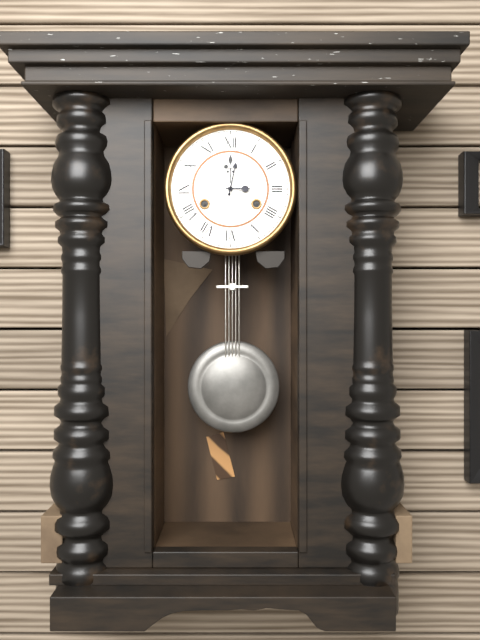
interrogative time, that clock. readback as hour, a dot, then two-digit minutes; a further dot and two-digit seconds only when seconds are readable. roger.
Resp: 3.02
